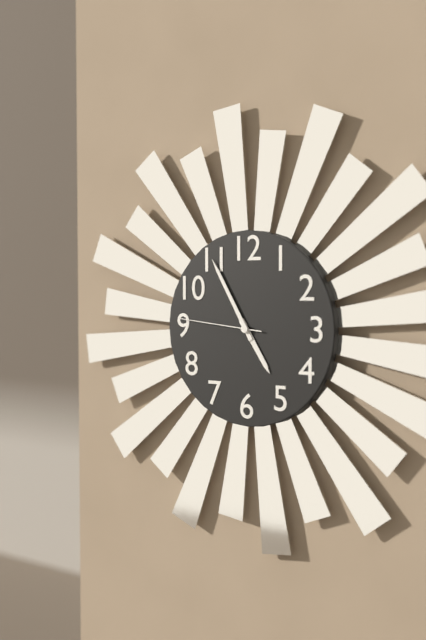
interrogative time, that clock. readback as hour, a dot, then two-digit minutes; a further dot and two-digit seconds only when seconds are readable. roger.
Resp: 4.55.46
